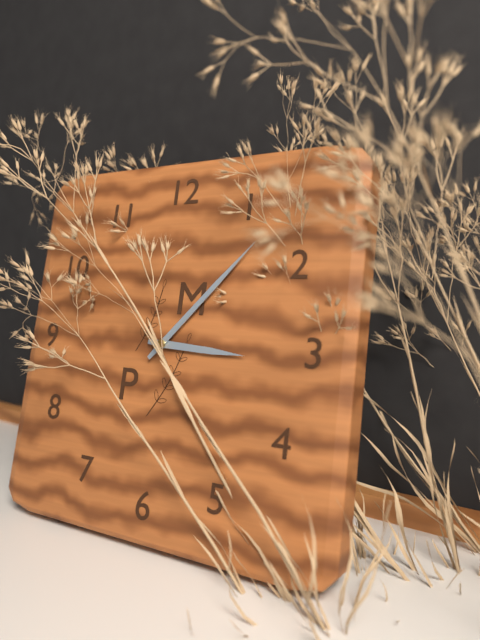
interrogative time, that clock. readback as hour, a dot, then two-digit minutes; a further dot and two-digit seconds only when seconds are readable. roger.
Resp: 3.07
